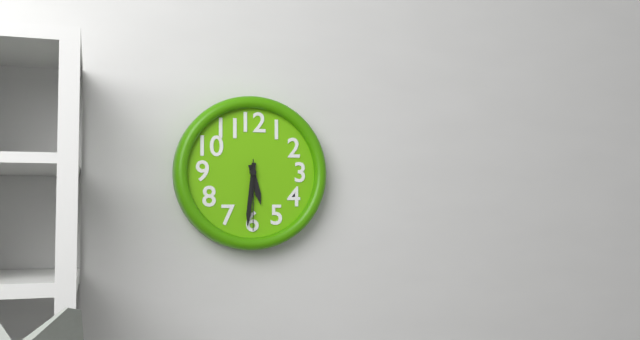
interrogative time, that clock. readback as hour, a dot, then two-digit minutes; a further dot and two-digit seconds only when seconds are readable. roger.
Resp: 5.31.30
